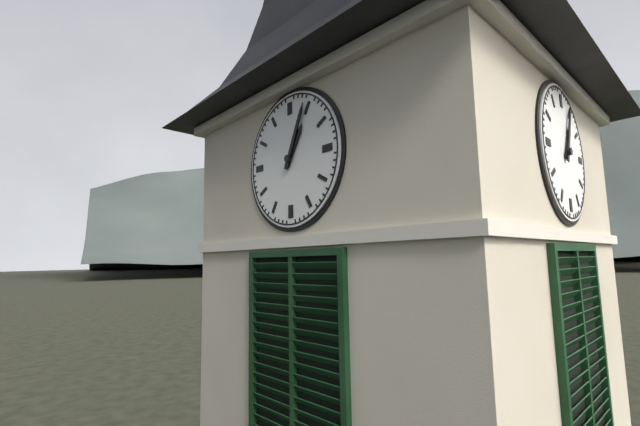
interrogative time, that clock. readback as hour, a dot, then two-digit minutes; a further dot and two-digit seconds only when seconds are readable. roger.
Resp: 1.04
